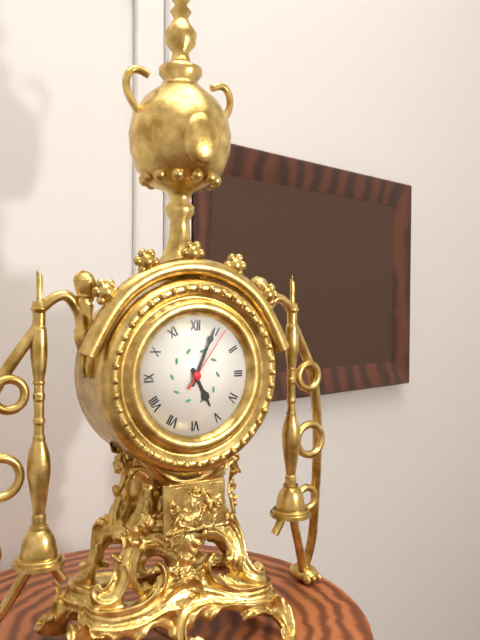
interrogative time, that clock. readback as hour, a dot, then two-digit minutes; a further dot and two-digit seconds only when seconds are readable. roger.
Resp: 5.04.06
